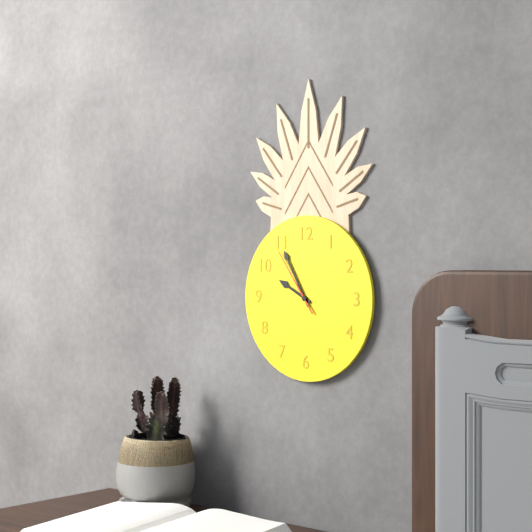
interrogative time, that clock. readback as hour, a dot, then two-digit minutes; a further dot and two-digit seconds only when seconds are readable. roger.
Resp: 9.55.54
